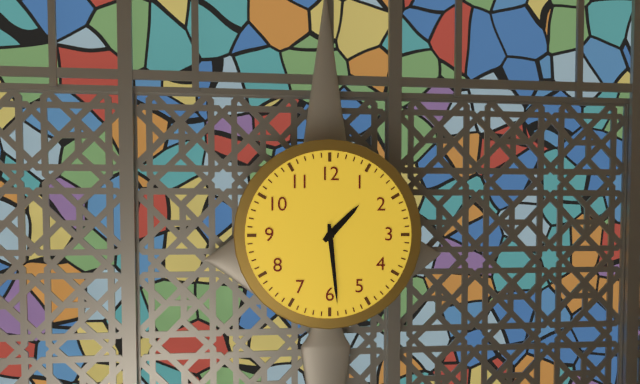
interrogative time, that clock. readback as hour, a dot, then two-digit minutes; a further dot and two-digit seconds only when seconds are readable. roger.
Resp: 1.29
